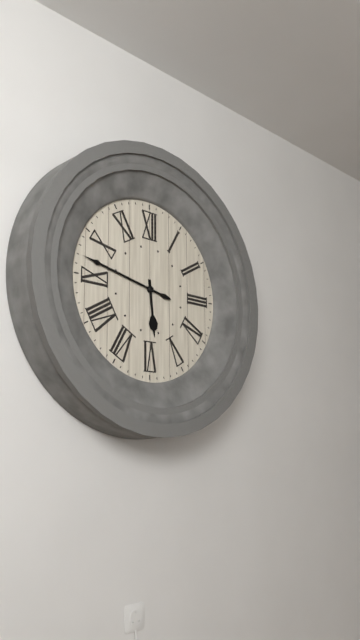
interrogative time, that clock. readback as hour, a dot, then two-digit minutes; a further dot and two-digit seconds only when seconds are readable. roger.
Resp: 5.47
